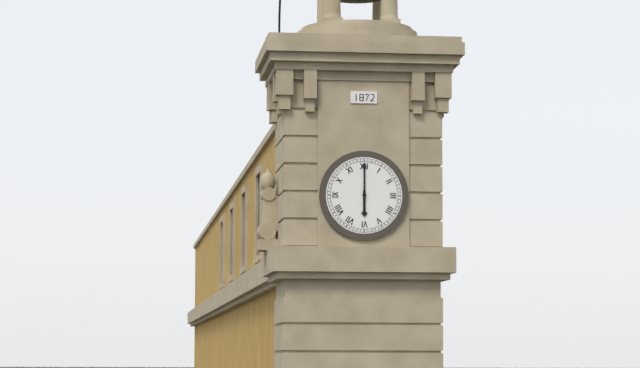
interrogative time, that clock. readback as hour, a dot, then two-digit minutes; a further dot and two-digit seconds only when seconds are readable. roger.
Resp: 6.00
